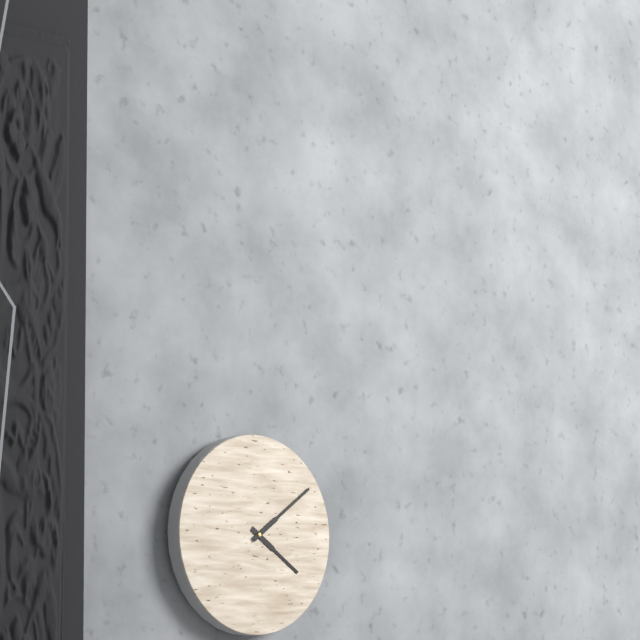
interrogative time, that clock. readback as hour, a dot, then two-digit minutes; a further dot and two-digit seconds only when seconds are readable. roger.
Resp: 4.09
